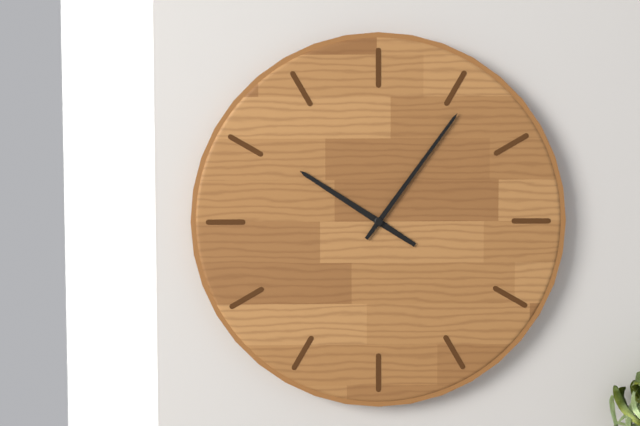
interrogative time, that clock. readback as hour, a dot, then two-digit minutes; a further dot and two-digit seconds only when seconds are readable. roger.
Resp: 10.06
